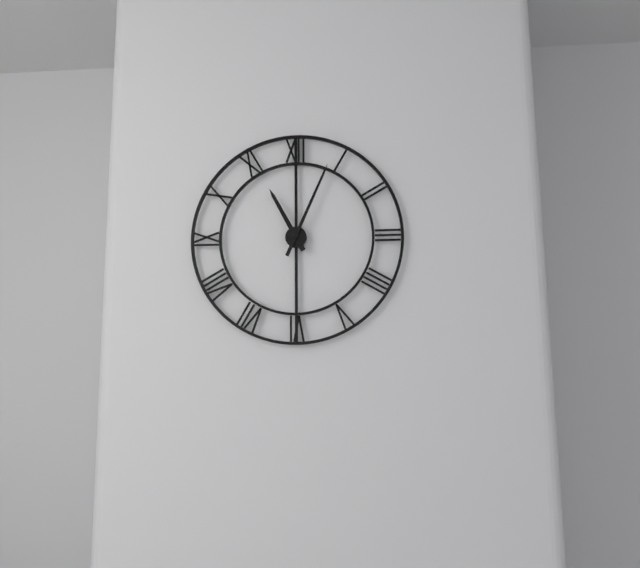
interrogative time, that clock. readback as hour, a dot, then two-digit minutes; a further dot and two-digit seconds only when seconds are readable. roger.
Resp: 11.04
